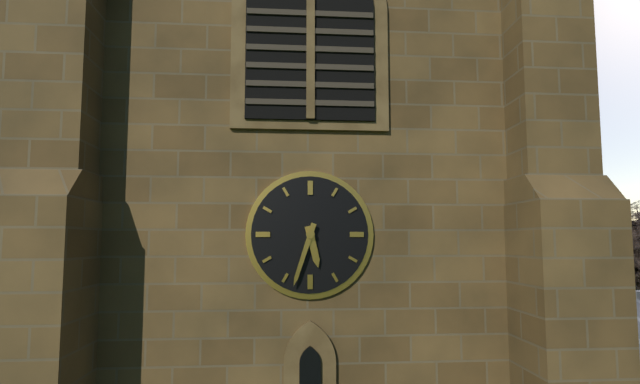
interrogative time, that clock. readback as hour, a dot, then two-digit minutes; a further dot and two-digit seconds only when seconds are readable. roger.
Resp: 5.33
